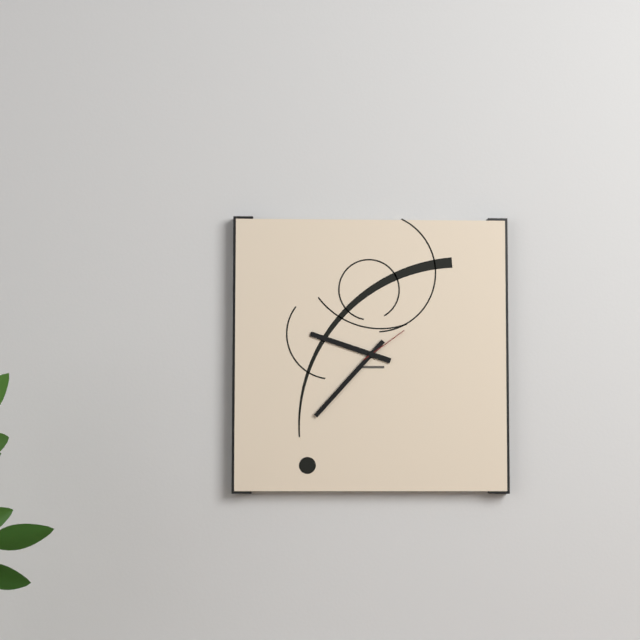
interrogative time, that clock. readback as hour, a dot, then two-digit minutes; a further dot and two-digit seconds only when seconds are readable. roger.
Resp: 9.37.09
